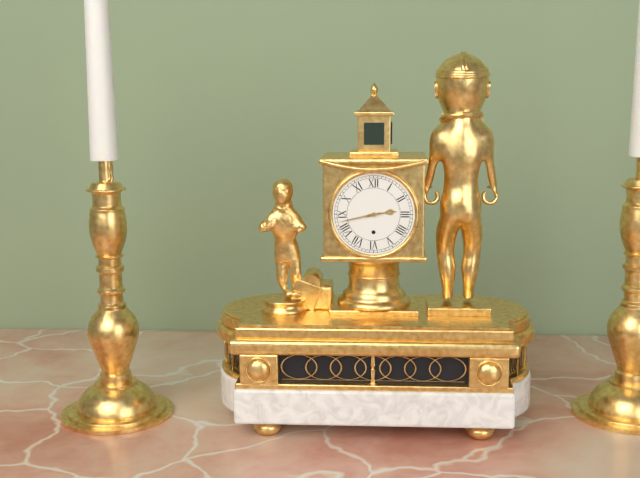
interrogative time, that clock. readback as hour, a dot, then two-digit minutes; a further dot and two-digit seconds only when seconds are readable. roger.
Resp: 2.43
